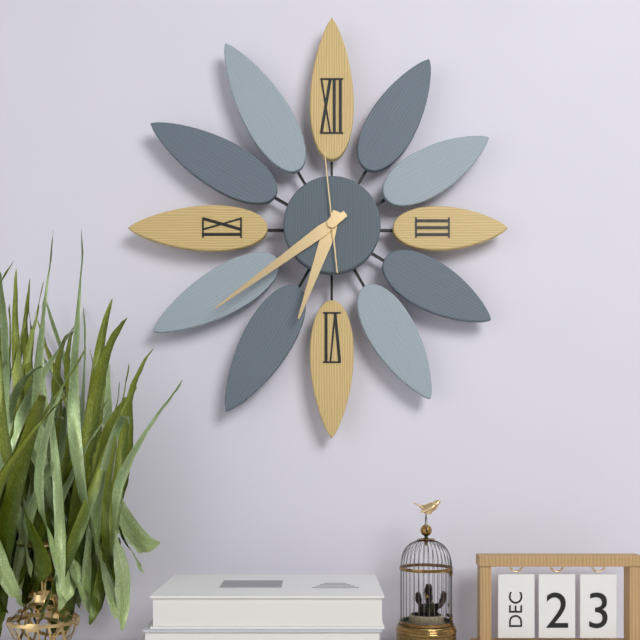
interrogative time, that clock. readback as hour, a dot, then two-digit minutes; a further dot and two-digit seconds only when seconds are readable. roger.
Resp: 6.39.59
